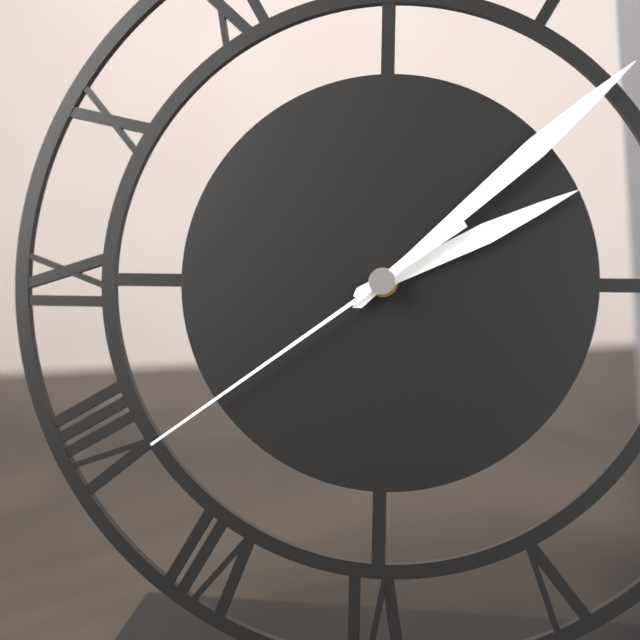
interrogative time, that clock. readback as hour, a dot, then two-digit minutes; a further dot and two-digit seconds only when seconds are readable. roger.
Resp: 2.08.39
